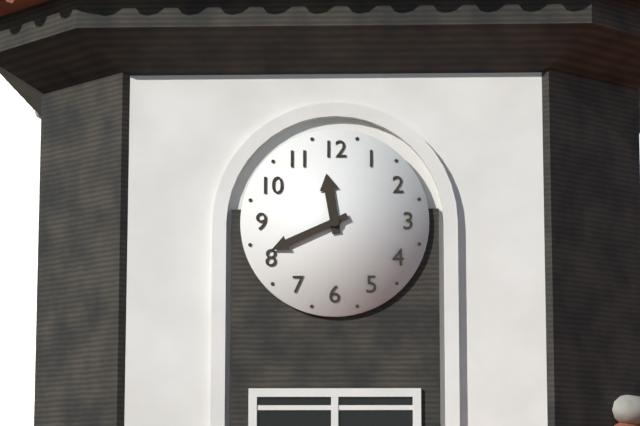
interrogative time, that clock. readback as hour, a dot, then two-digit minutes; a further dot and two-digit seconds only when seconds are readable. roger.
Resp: 11.41
